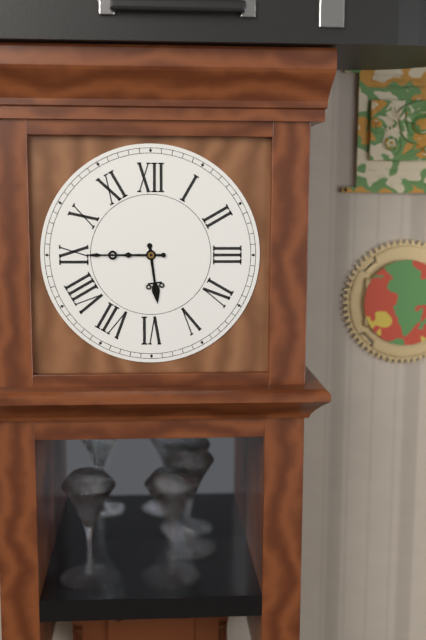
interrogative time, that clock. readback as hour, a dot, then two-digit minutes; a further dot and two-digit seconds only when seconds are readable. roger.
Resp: 5.45
